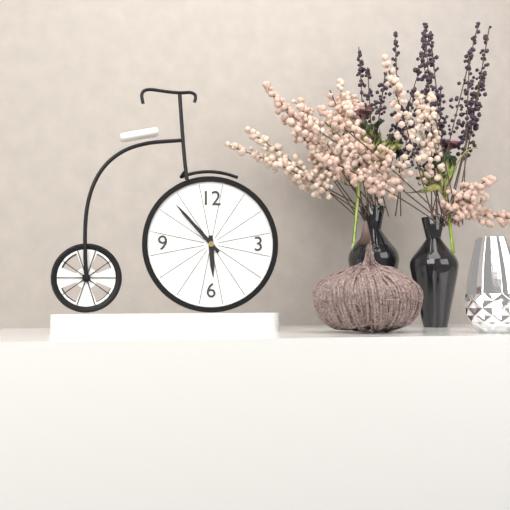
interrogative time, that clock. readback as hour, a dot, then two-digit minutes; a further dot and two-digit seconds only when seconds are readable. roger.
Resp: 5.53
